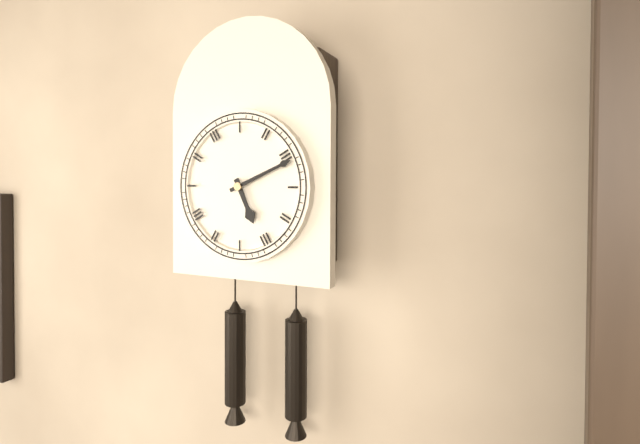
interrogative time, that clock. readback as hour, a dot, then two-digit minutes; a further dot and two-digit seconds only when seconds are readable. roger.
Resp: 5.11
